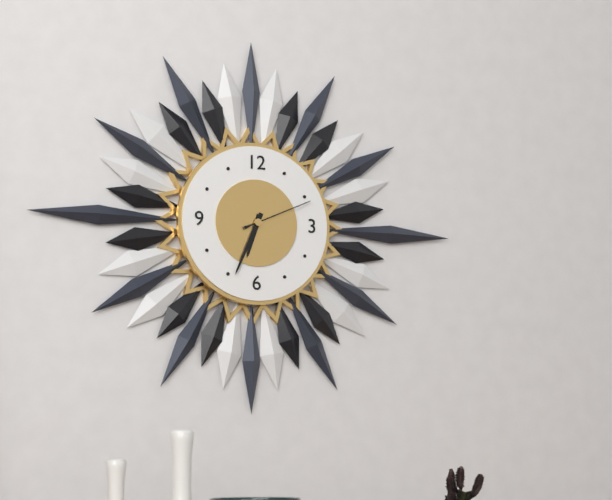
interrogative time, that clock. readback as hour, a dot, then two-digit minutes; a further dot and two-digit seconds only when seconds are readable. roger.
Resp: 6.34.11
